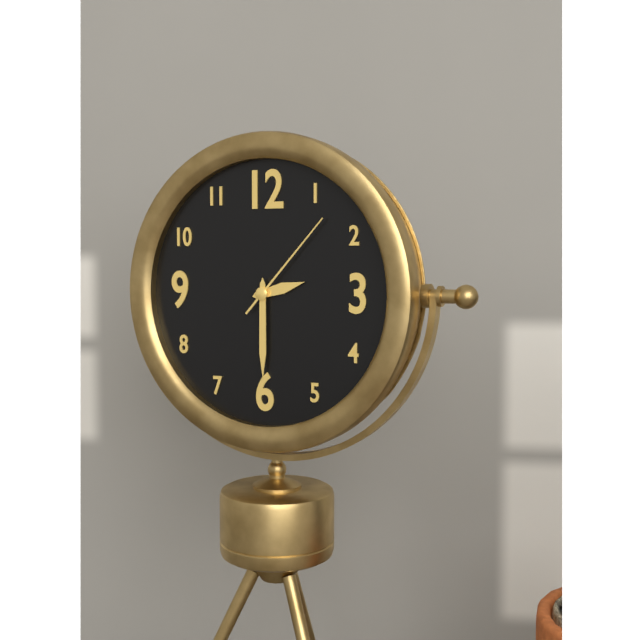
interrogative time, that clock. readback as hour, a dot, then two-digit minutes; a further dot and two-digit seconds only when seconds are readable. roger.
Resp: 2.30.07
